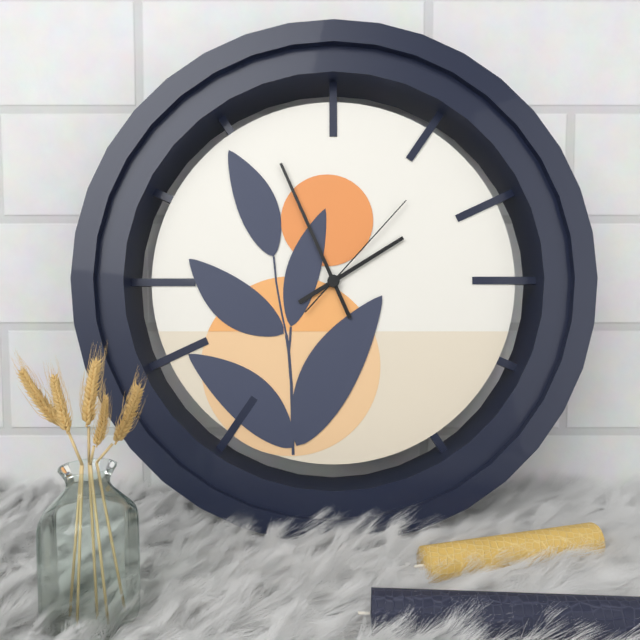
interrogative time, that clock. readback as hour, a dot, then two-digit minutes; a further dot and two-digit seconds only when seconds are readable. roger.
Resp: 1.56.07
